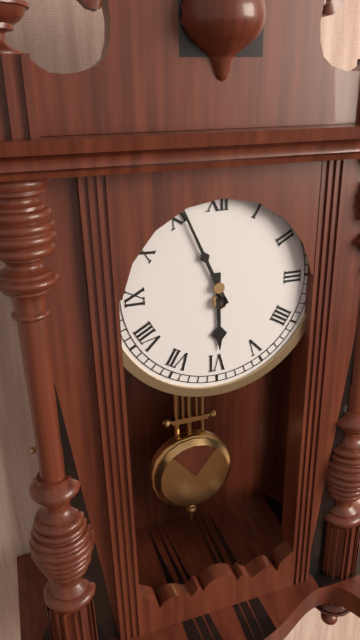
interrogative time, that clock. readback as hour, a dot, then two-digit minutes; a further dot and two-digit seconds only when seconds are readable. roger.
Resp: 5.56
